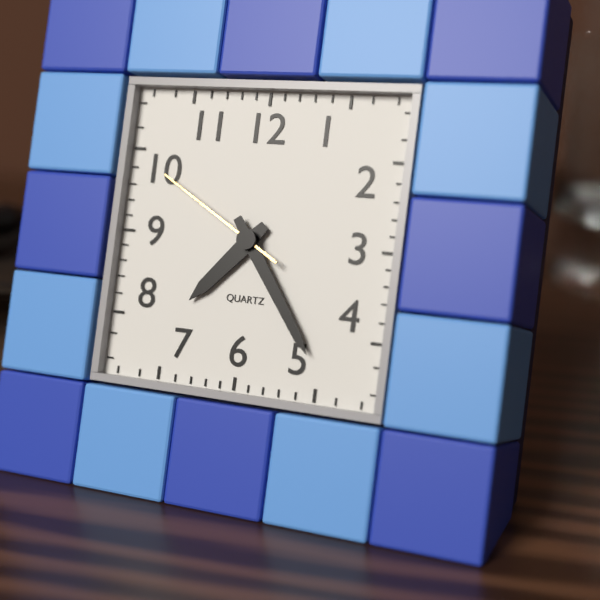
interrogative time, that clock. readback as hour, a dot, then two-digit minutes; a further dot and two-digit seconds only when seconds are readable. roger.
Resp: 7.24.50
